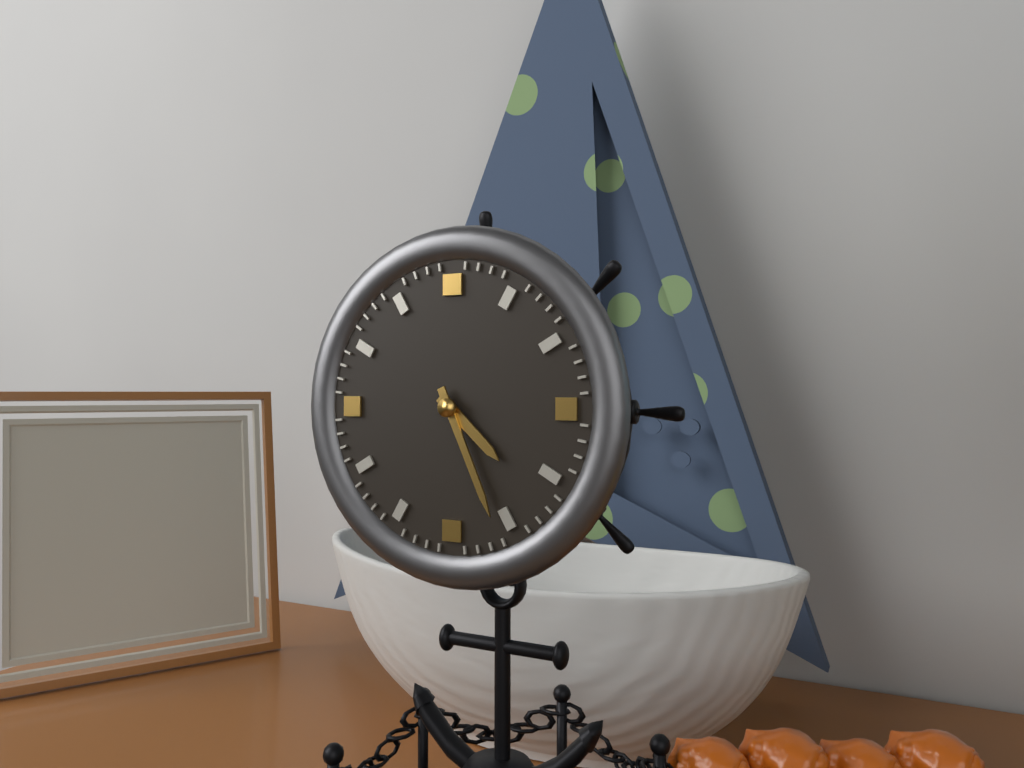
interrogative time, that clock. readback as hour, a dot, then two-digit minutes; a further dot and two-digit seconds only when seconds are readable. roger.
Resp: 4.26
